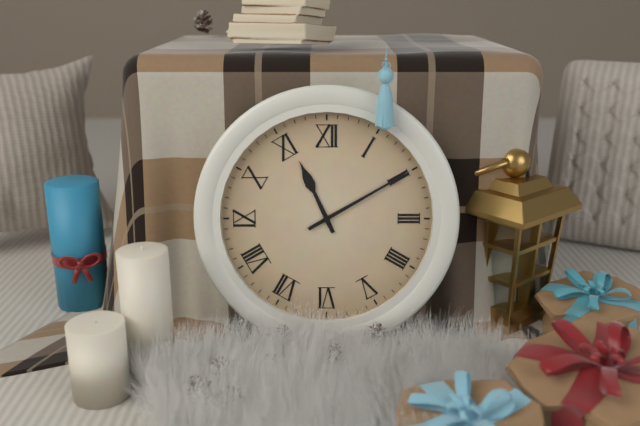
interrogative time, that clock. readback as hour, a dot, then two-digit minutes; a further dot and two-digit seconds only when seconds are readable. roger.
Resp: 11.10
